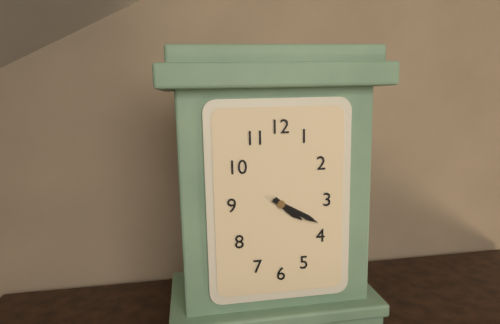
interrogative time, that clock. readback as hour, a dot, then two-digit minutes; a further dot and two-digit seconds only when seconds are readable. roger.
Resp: 4.20
